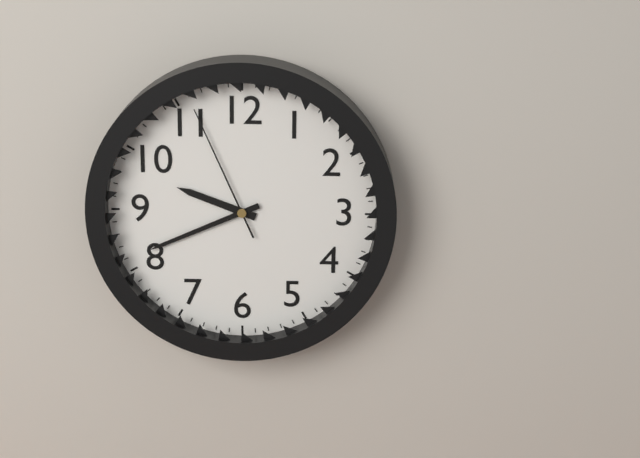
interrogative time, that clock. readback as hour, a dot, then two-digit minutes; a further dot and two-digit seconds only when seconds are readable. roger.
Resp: 9.41.56
